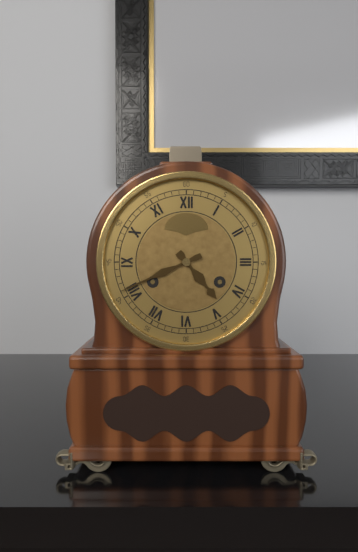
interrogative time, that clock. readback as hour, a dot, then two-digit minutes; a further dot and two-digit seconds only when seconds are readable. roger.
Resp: 4.41
